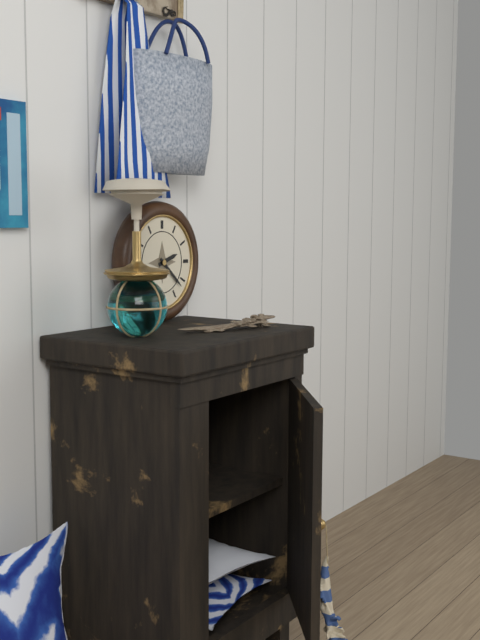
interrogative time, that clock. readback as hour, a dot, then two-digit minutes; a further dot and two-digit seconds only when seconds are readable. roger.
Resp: 2.22
